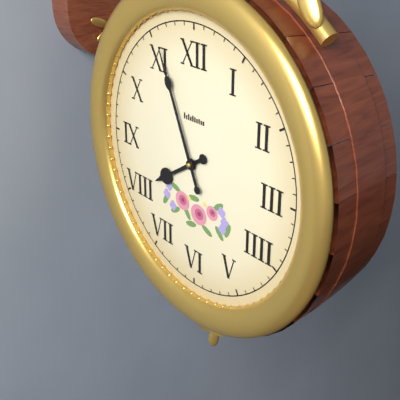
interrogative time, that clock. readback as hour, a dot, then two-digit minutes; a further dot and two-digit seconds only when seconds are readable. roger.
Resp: 7.56
